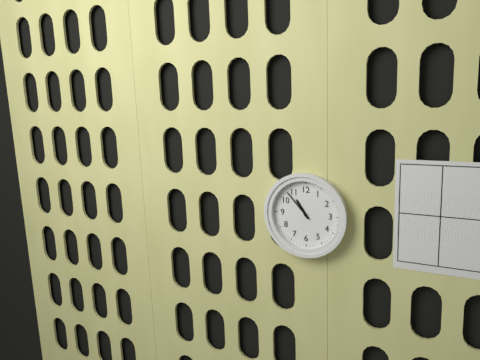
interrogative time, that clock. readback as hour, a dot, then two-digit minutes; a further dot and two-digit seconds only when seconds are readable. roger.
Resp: 10.53
